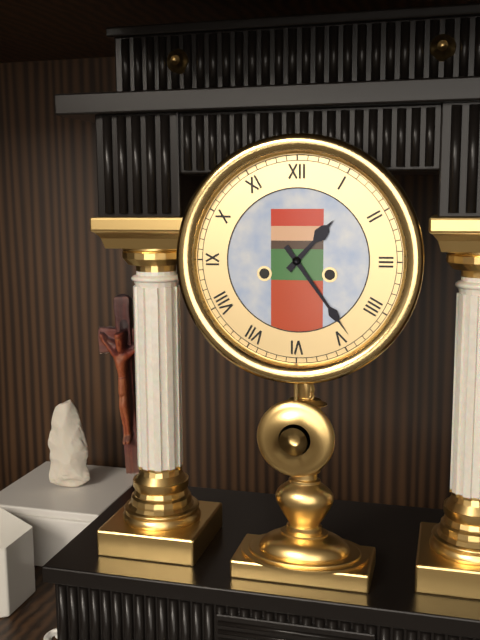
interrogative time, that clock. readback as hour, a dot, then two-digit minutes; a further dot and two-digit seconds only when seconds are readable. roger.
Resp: 1.24
